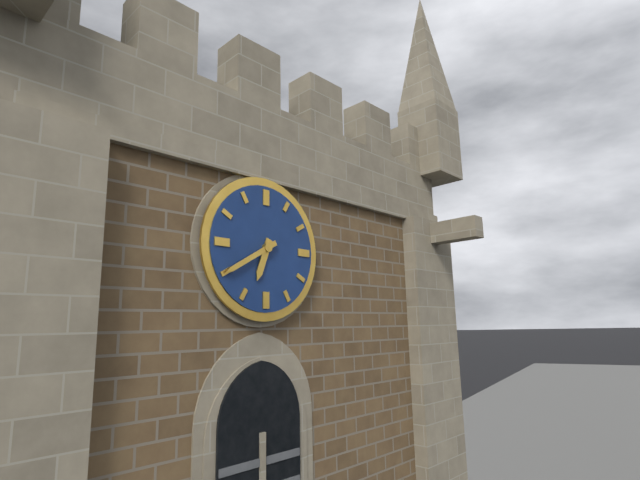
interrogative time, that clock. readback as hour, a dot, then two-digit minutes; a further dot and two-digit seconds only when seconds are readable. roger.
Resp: 6.40
